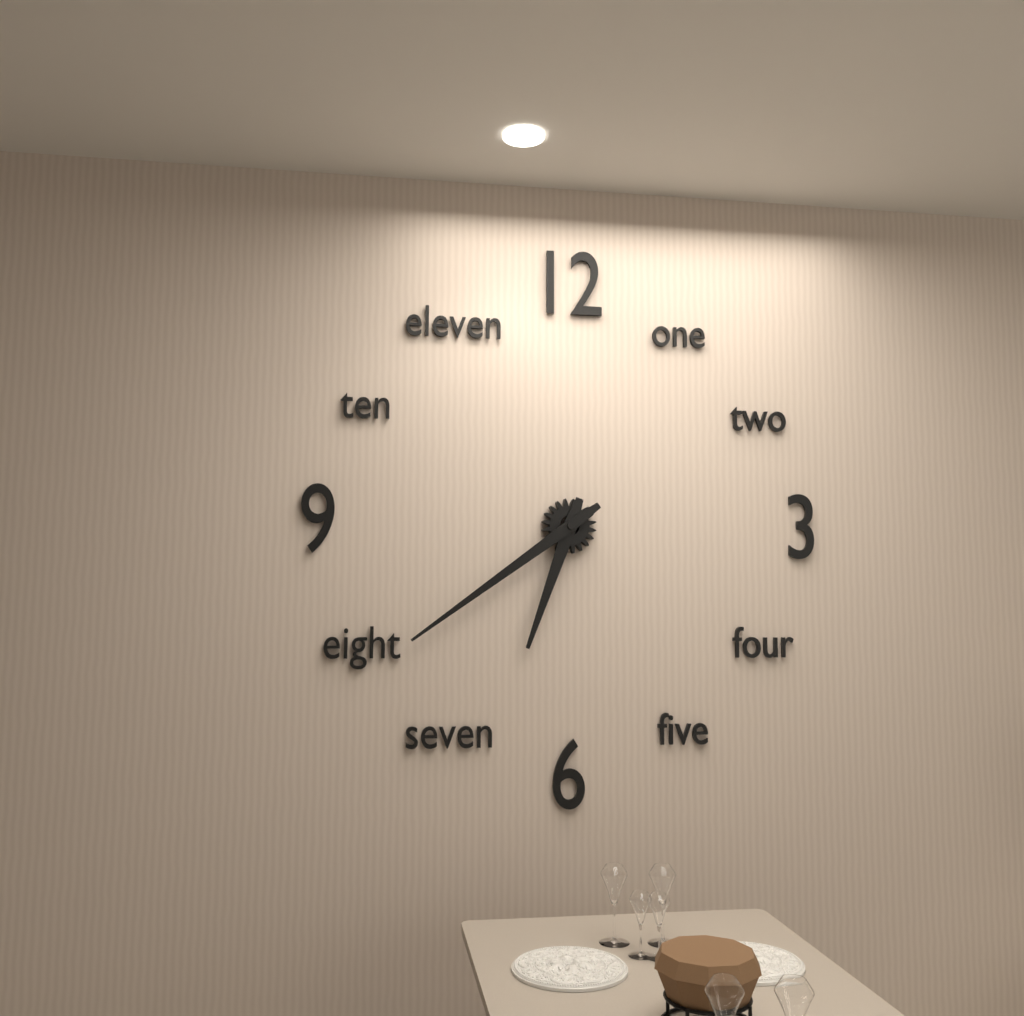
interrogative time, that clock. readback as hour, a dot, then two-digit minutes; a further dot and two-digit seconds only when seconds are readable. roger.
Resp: 6.39
